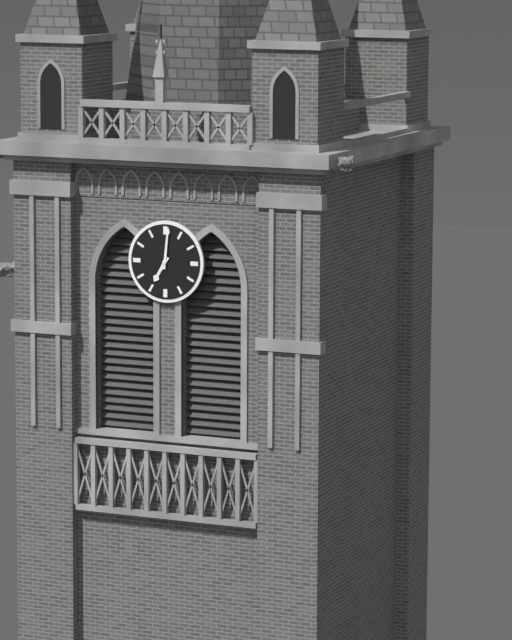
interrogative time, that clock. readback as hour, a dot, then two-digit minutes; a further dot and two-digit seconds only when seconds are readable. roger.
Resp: 7.01
